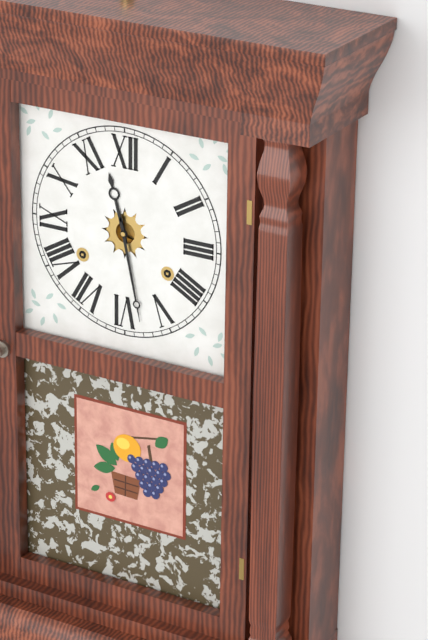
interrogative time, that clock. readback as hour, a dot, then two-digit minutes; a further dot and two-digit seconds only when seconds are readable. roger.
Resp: 11.28
